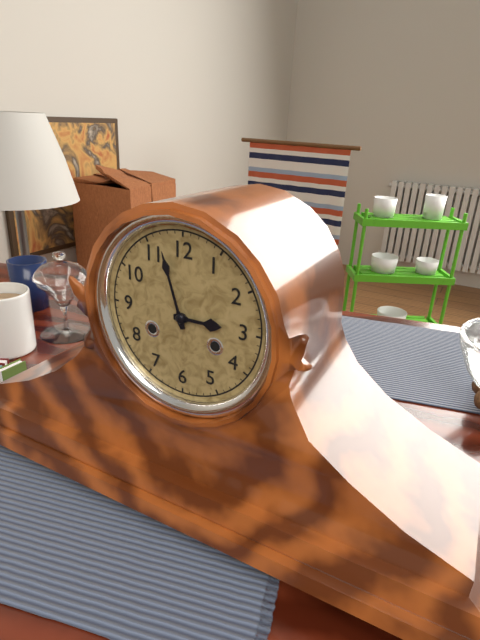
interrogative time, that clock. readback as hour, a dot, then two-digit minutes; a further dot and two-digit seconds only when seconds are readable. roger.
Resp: 2.57
